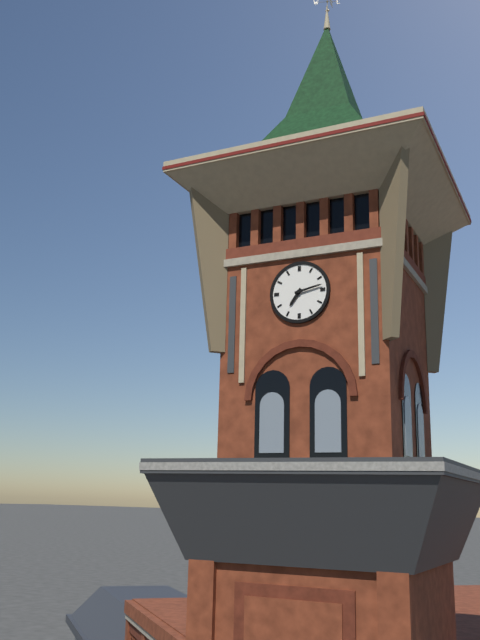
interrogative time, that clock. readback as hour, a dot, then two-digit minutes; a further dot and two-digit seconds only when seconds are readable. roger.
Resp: 7.13
